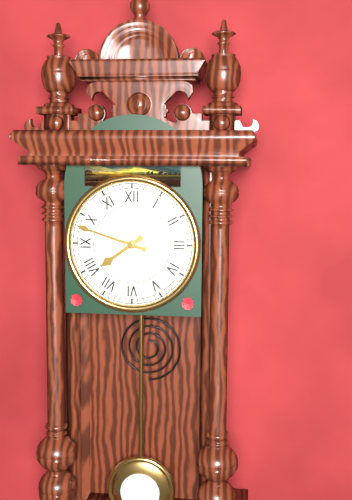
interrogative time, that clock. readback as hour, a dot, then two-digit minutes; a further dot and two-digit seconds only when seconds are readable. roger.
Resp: 7.48
